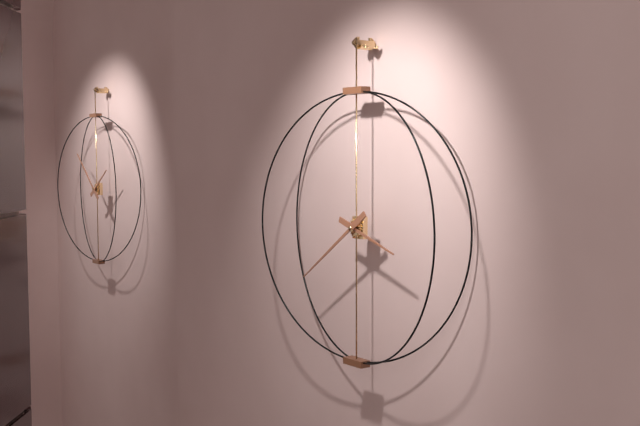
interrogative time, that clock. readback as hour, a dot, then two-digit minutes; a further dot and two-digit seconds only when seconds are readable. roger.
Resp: 3.39
